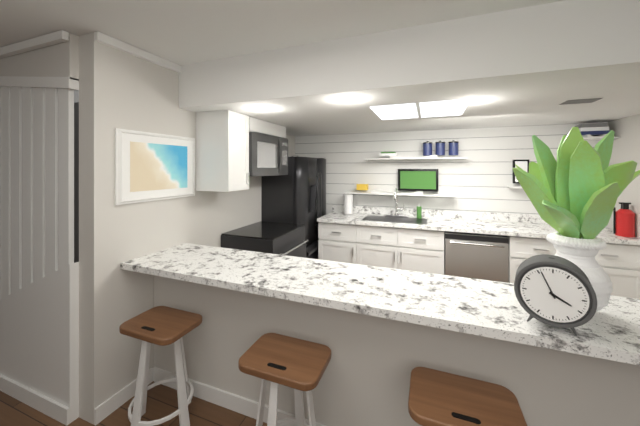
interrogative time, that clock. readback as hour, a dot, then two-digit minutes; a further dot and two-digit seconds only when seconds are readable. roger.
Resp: 3.56
